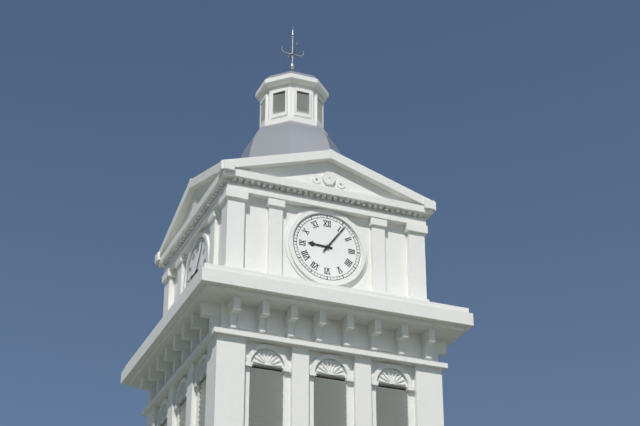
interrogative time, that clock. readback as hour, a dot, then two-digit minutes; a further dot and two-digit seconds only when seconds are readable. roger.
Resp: 9.06
